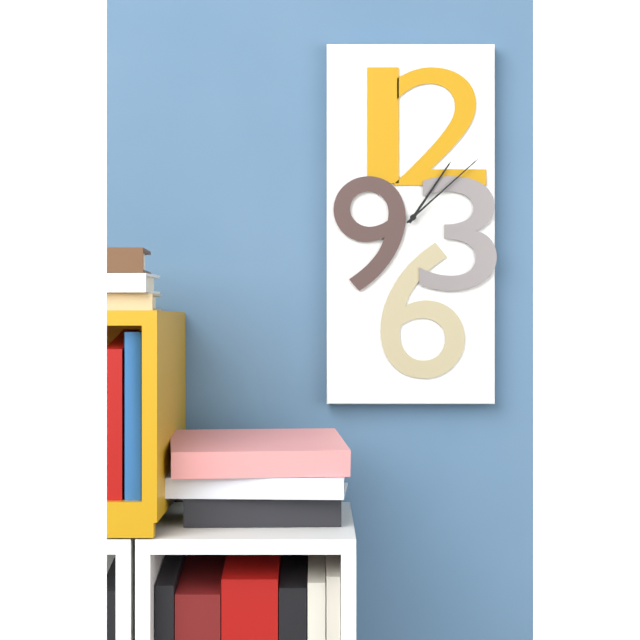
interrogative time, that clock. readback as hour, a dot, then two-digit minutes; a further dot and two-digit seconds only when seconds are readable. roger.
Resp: 1.08
